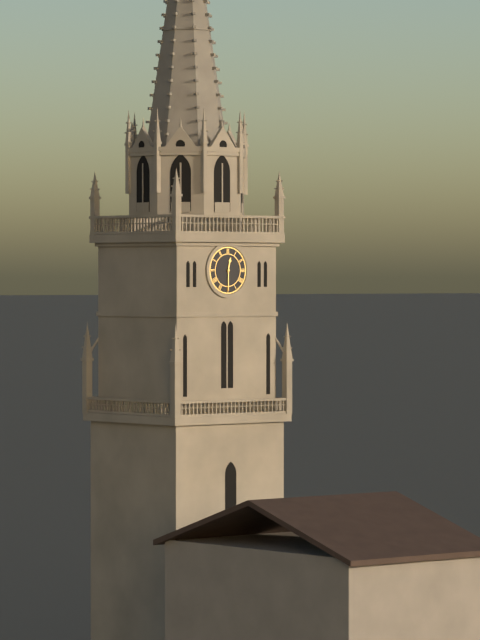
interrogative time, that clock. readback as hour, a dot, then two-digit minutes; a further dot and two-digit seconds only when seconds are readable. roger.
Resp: 12.30
